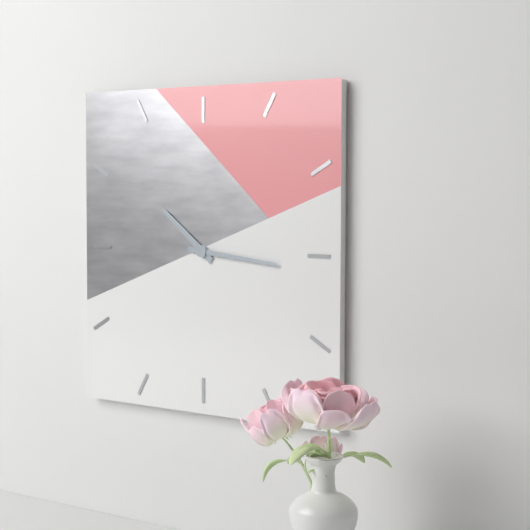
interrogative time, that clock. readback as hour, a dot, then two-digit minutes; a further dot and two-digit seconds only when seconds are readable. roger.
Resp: 10.16
